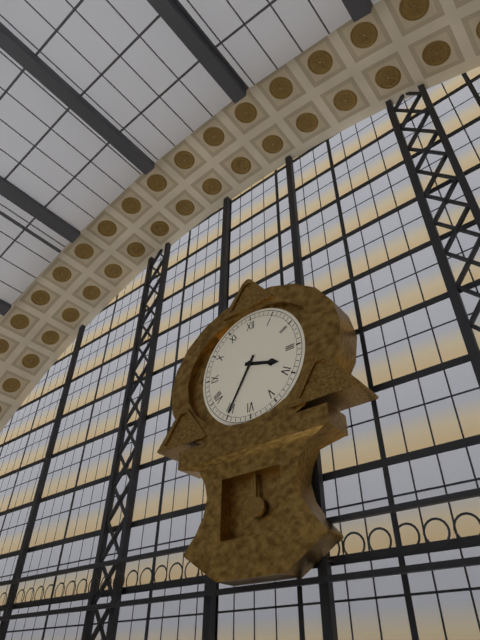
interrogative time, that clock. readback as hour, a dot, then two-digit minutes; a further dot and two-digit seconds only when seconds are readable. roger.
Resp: 3.35
